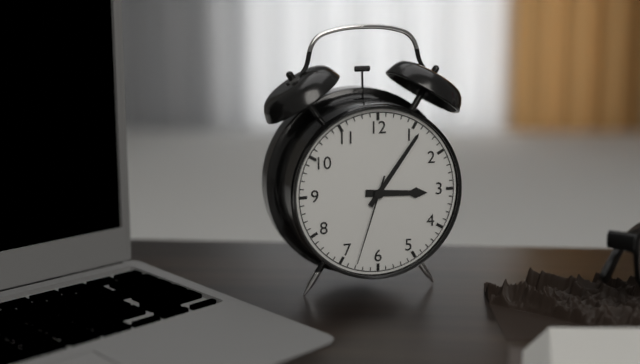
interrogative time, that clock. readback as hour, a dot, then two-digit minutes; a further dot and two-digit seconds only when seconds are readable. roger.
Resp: 3.06.33
